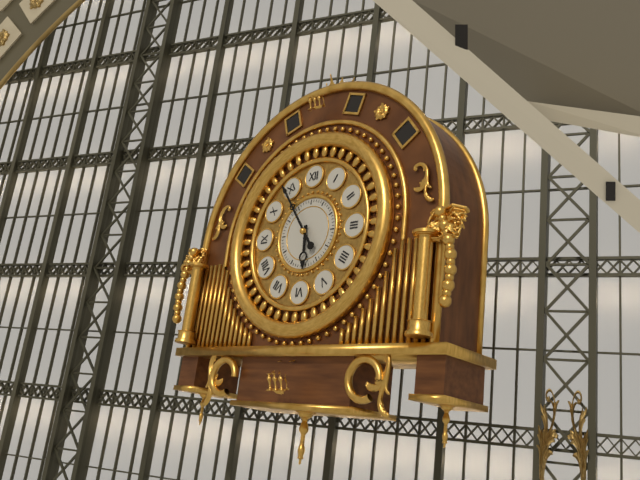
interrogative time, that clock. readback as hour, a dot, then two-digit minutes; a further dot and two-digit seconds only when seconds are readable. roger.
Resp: 5.54
